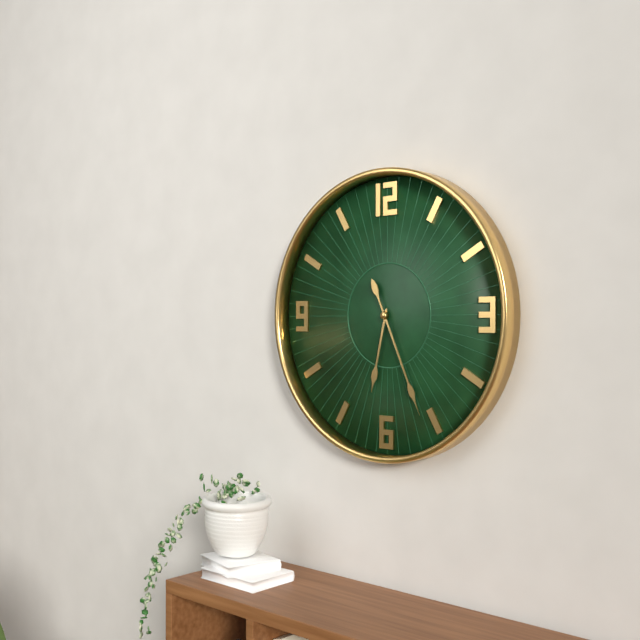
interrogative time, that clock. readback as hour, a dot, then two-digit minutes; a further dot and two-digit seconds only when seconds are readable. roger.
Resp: 6.26
